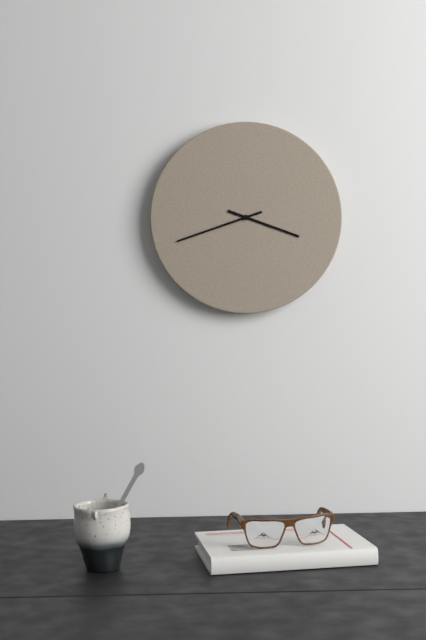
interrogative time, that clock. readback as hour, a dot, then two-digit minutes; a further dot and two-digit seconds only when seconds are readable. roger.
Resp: 3.42
